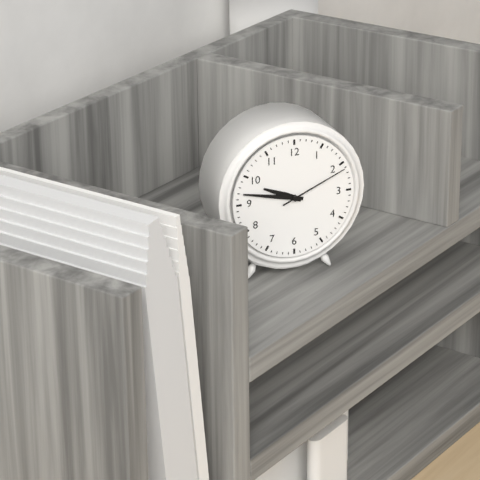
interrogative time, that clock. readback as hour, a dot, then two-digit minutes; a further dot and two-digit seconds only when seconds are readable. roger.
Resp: 9.47.11
